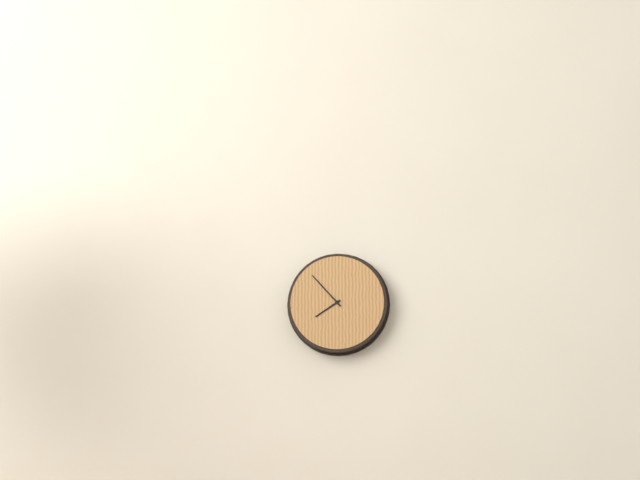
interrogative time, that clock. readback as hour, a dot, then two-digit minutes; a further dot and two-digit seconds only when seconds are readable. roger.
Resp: 7.53
